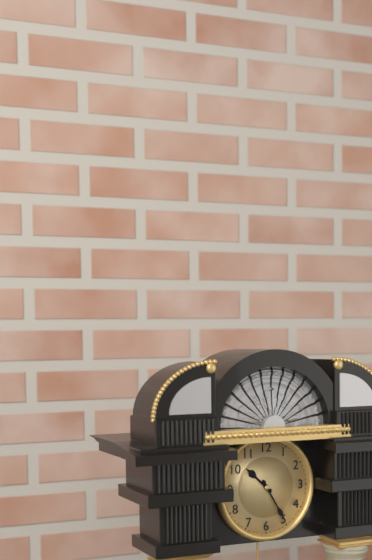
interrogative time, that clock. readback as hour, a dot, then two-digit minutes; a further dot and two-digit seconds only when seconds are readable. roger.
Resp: 10.25
